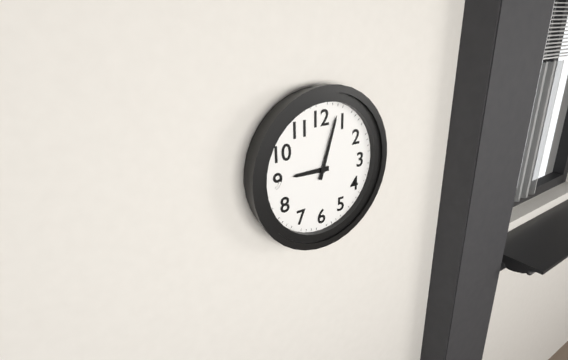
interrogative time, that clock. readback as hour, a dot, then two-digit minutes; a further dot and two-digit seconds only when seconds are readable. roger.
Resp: 9.03
